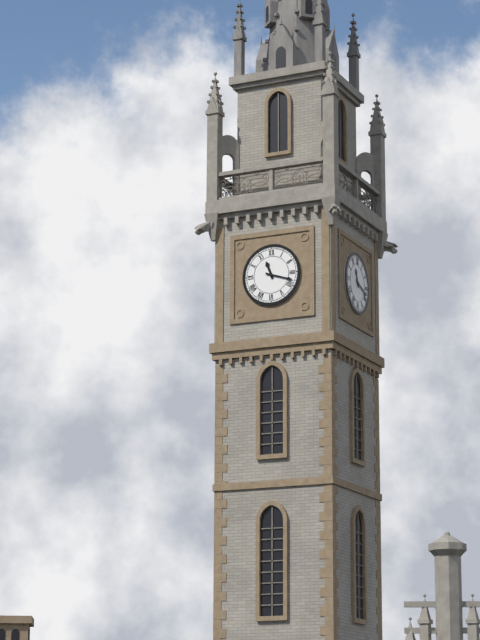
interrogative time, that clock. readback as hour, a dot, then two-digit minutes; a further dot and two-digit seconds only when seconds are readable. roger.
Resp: 11.18
